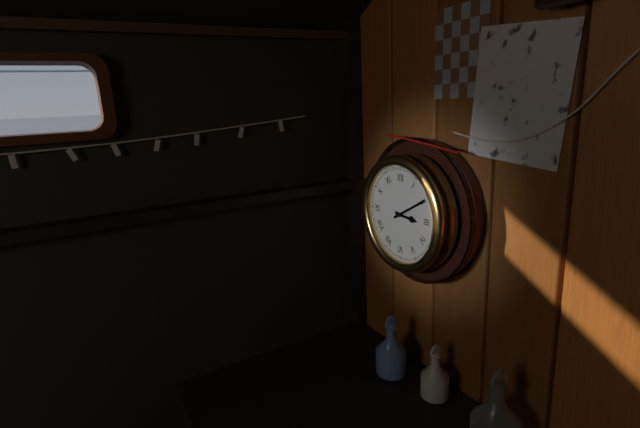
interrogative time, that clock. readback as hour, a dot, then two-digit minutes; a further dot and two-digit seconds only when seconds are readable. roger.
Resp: 3.10
